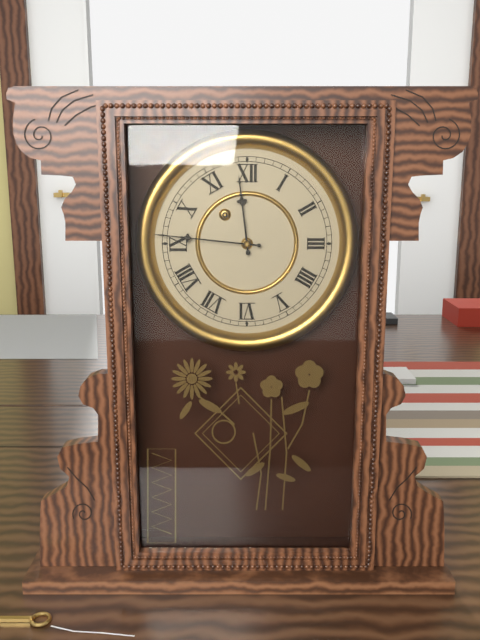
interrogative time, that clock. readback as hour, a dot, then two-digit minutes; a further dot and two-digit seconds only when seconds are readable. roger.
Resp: 11.46
